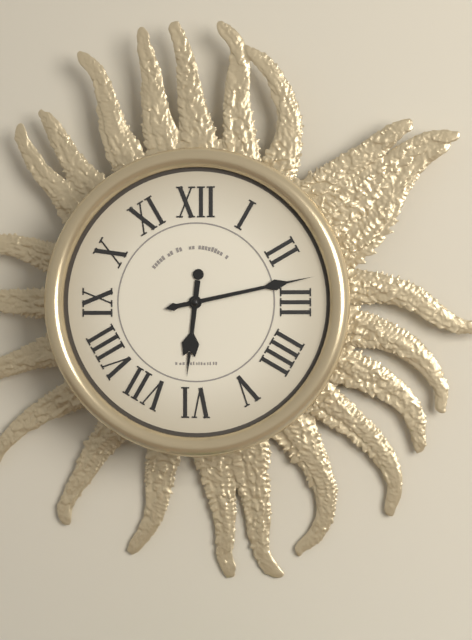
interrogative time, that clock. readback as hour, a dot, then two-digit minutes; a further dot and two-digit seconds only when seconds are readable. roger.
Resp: 6.13
